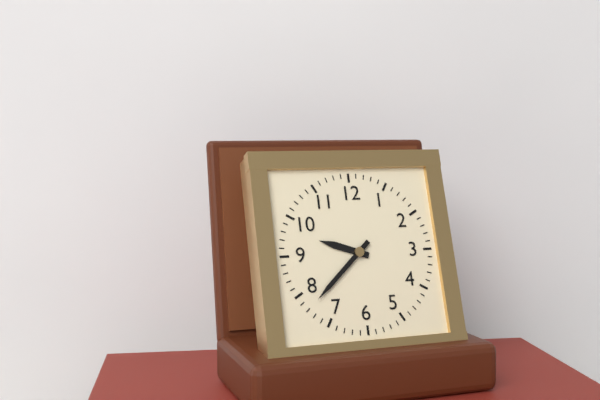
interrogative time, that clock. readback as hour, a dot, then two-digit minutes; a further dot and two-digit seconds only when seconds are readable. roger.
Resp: 9.38
